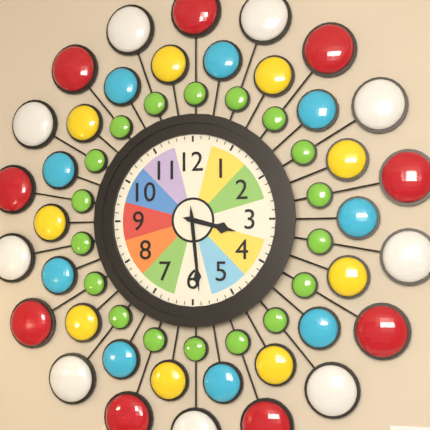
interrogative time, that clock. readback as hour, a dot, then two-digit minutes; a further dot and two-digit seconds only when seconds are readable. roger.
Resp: 3.29
